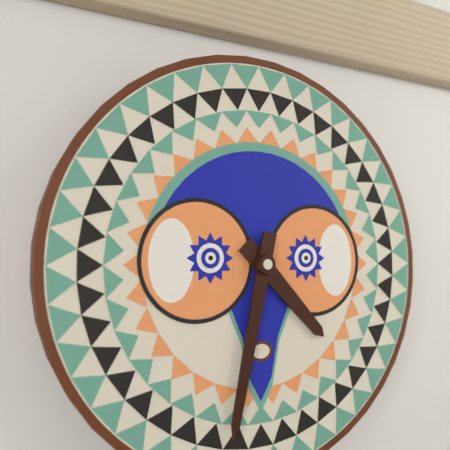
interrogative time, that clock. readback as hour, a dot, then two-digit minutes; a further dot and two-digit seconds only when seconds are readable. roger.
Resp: 4.32
